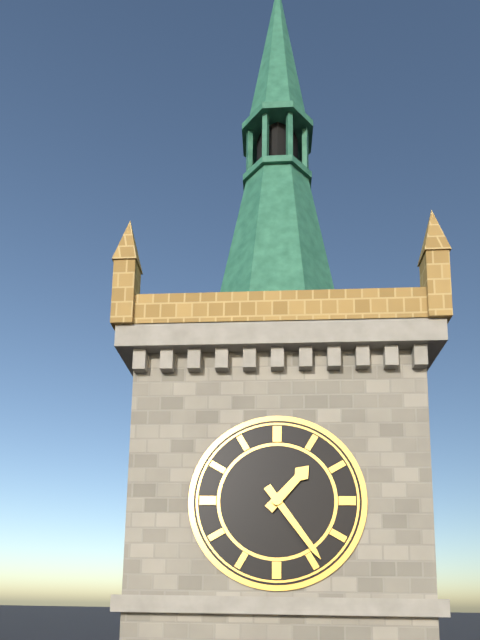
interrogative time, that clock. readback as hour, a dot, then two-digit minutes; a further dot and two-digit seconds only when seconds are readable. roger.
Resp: 1.24
